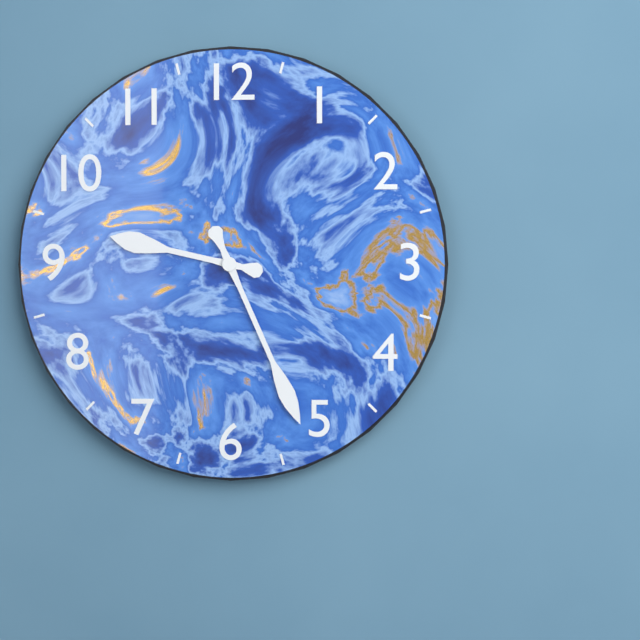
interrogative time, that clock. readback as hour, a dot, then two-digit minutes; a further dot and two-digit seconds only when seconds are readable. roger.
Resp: 9.26
